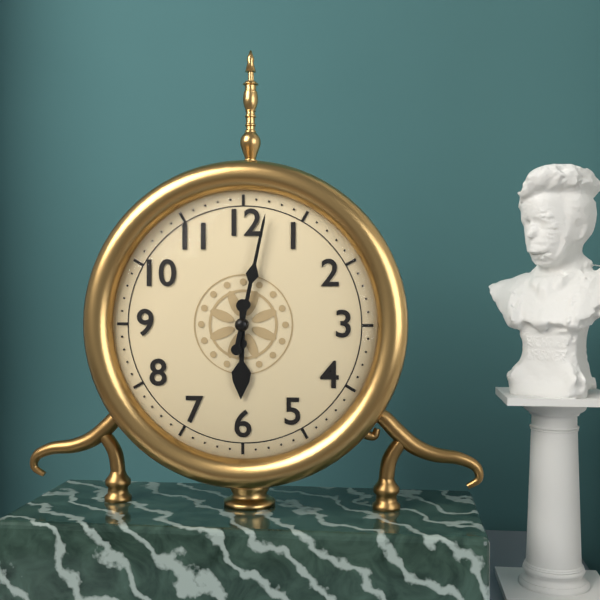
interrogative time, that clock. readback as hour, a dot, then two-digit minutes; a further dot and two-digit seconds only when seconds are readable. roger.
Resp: 6.02
